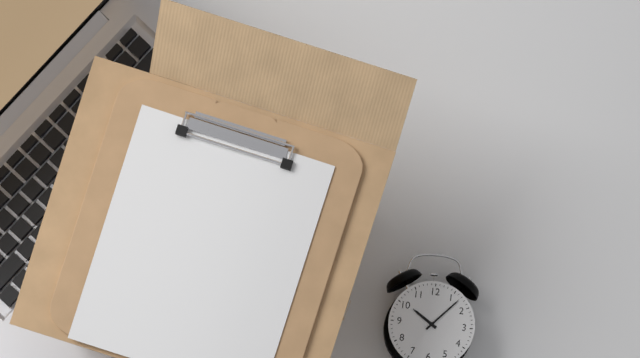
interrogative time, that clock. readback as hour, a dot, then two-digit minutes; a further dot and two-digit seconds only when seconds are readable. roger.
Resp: 10.07
